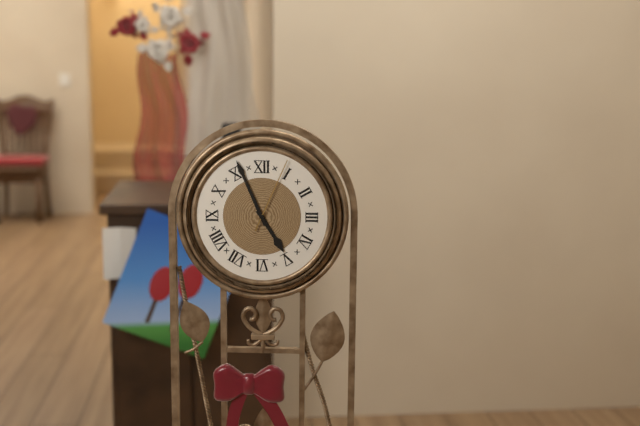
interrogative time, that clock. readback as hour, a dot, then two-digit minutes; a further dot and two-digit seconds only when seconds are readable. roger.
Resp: 4.56.04
